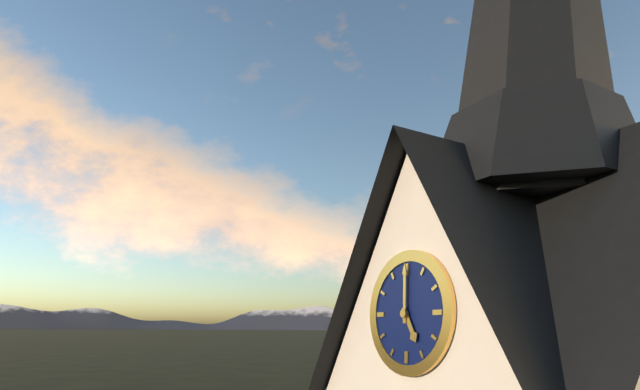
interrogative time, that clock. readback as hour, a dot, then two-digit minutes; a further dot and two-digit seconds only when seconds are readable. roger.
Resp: 5.00
